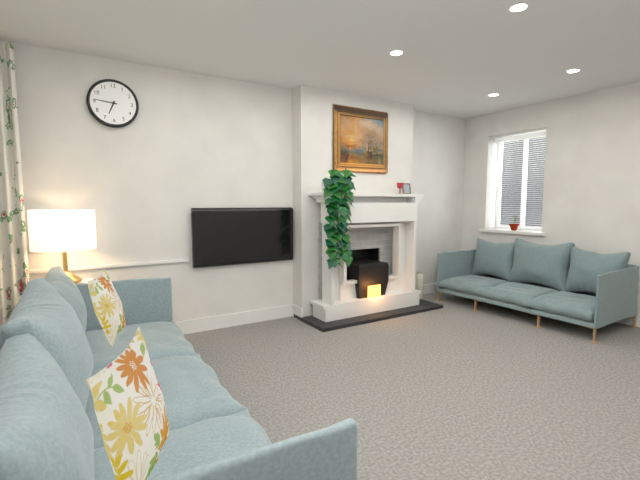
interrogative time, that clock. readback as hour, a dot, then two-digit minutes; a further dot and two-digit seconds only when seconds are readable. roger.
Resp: 6.46
